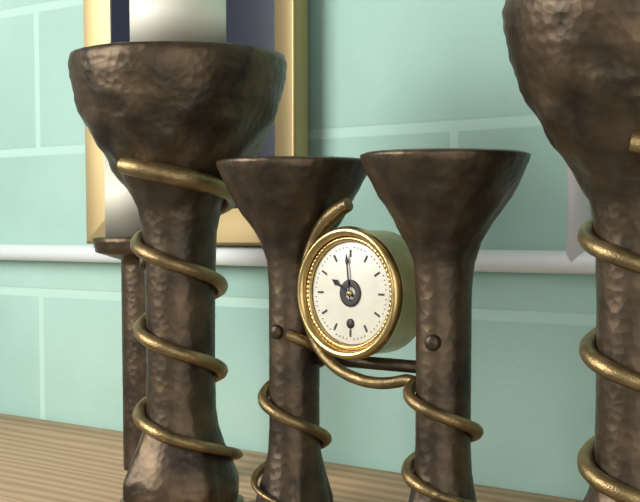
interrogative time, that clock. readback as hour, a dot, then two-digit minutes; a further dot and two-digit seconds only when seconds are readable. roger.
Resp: 9.59
